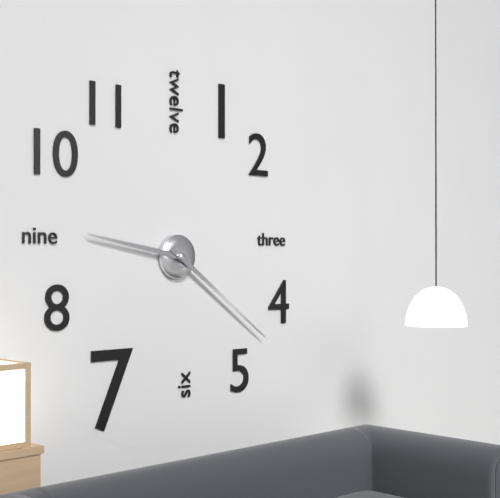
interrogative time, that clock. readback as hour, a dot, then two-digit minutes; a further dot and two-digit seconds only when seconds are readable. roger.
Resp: 9.21
